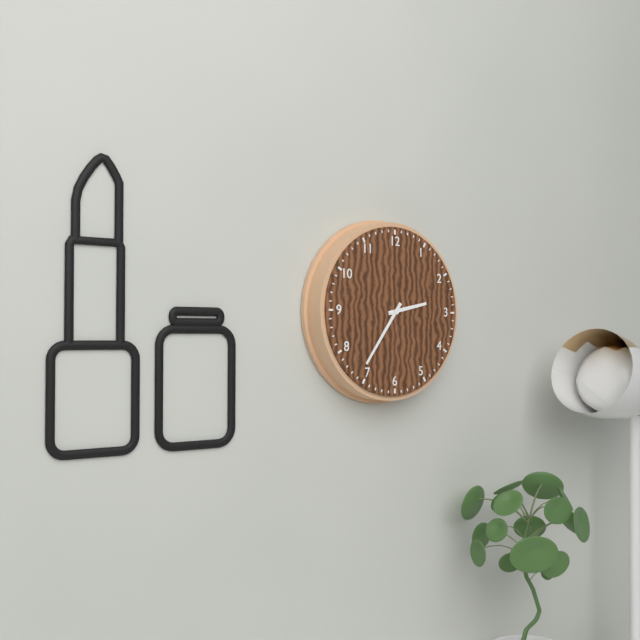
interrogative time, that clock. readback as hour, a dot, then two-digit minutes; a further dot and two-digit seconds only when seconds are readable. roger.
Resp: 2.36
